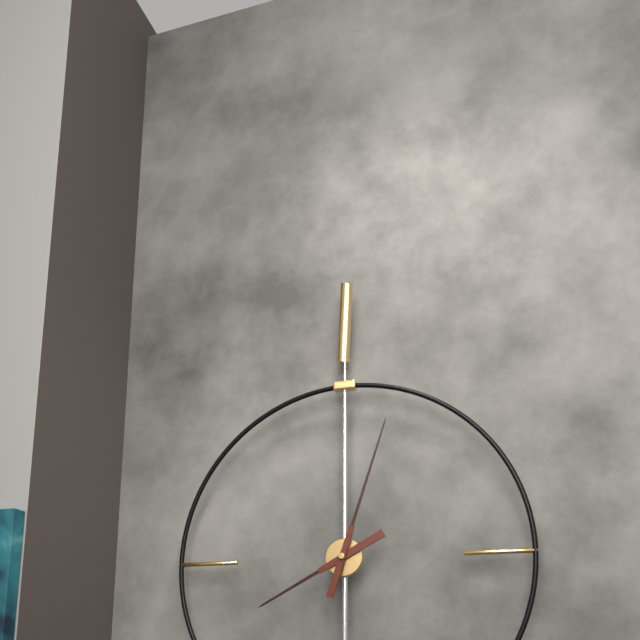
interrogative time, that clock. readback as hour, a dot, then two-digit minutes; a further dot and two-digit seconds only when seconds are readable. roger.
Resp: 8.03
